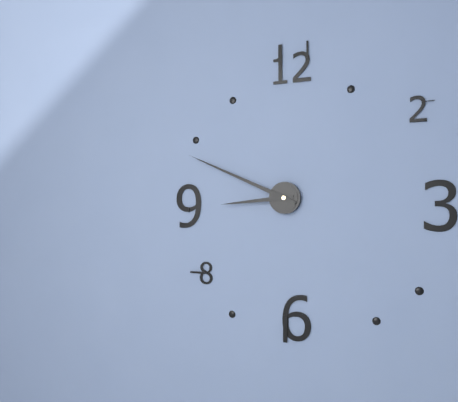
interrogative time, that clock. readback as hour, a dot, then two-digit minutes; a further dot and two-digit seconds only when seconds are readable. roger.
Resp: 8.49
